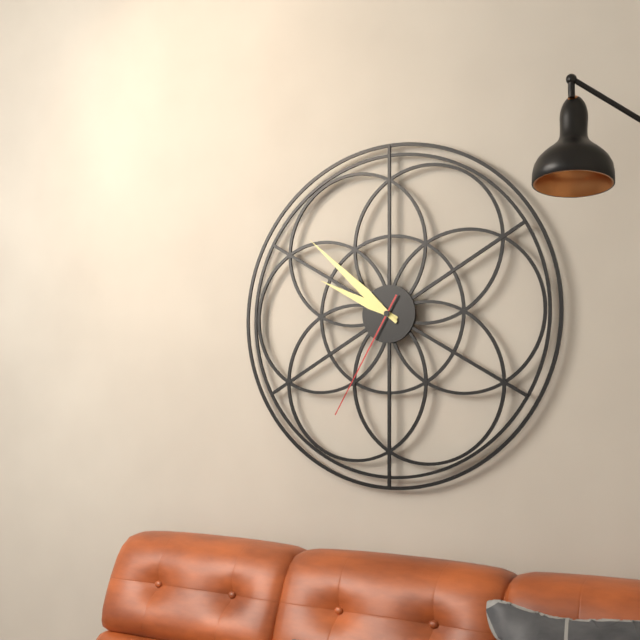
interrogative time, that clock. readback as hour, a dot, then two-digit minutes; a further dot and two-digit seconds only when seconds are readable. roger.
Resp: 9.52.35
